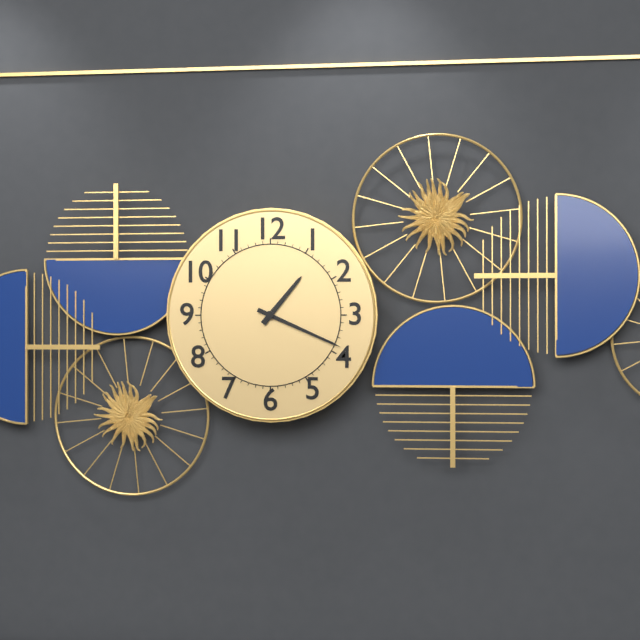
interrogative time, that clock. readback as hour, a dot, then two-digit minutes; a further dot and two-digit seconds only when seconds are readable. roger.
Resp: 1.19
